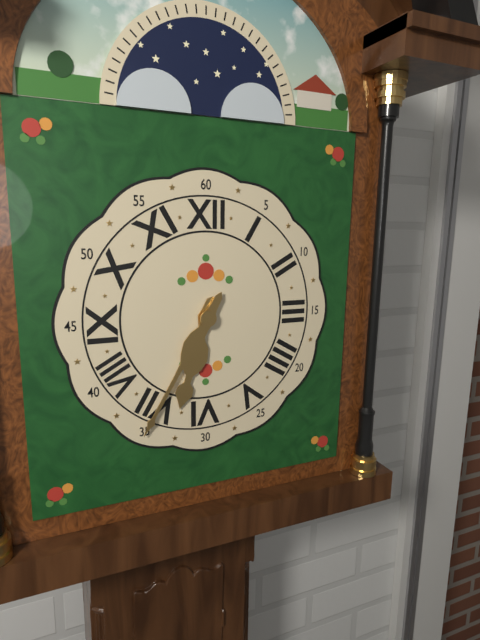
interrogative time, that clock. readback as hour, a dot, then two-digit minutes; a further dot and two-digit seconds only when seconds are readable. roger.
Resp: 6.35
